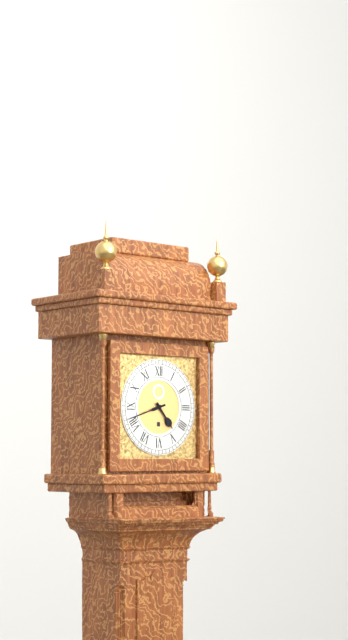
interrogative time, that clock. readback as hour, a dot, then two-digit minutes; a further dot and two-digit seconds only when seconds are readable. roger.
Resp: 4.42
